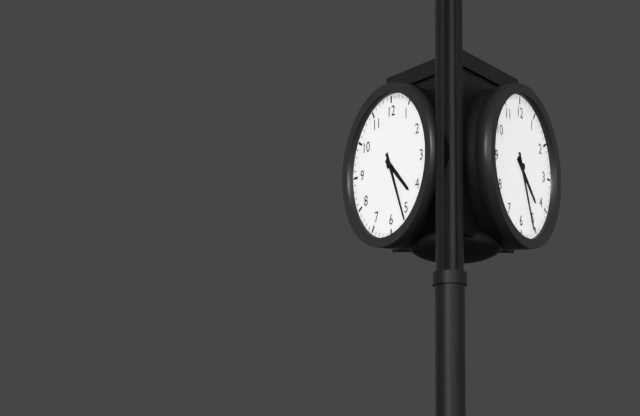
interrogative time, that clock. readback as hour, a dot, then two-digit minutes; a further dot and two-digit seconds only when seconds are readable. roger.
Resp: 4.26
